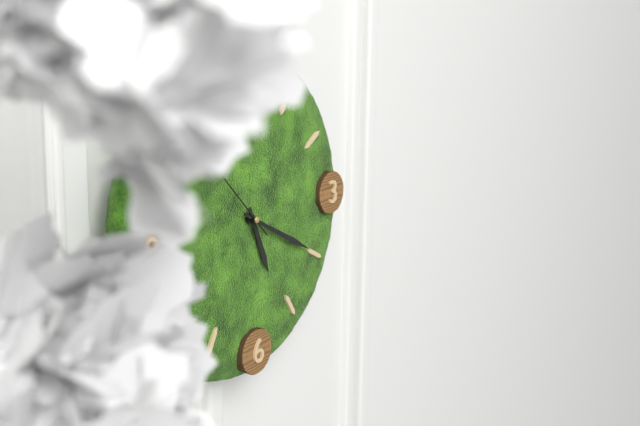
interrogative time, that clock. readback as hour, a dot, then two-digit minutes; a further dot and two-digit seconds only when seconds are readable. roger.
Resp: 5.20
